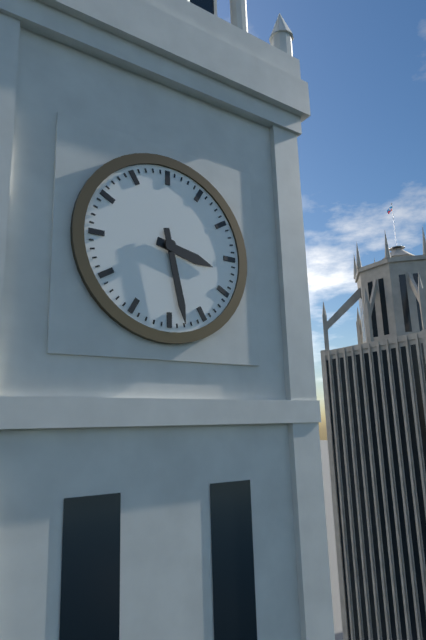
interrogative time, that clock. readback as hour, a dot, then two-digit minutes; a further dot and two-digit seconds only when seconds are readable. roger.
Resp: 3.28
